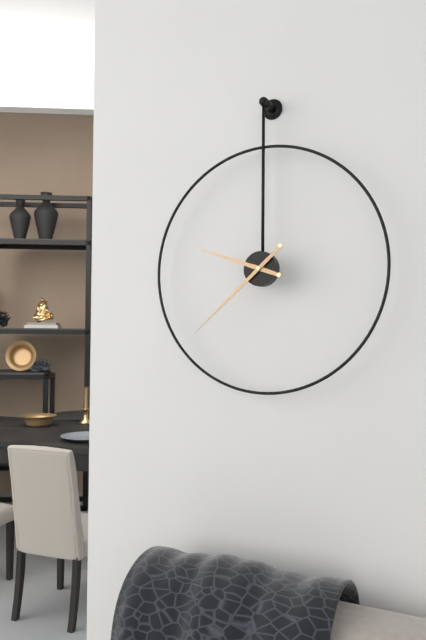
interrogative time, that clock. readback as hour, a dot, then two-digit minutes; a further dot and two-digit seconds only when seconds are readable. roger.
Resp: 9.38
